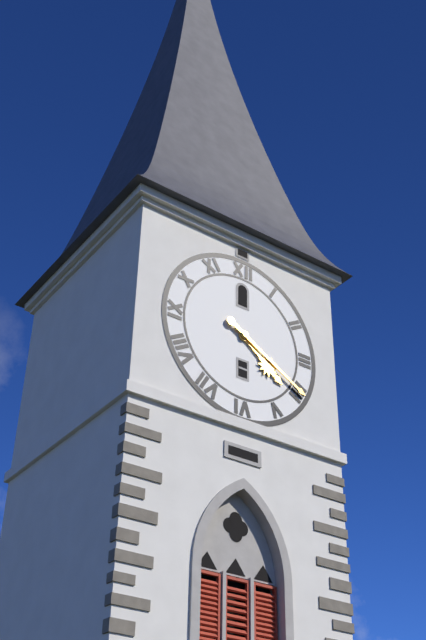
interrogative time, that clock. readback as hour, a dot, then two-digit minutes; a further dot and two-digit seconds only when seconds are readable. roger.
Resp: 4.20
